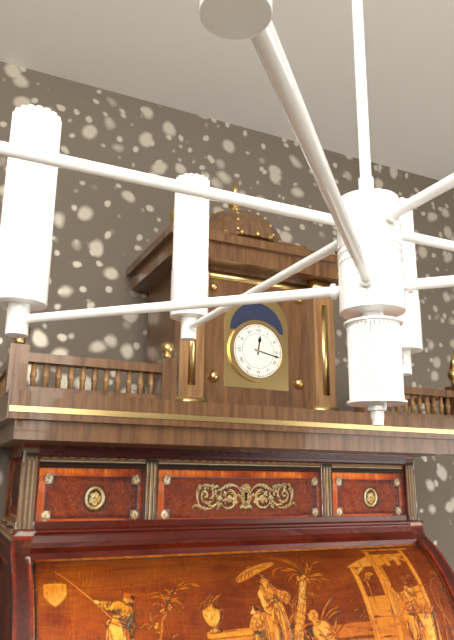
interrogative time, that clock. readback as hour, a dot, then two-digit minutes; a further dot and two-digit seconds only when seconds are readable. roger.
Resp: 12.17
